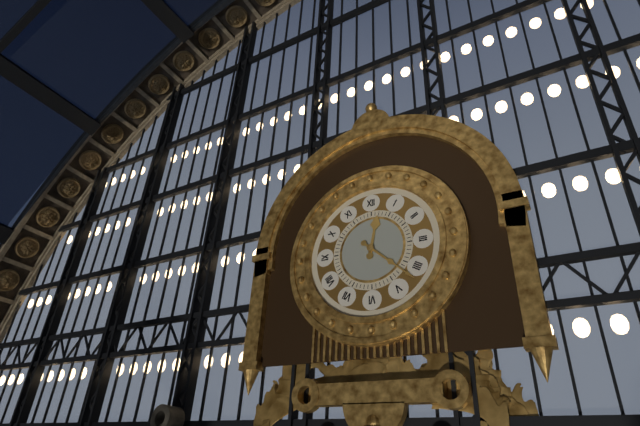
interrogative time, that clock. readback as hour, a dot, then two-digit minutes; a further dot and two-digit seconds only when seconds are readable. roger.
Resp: 12.22
